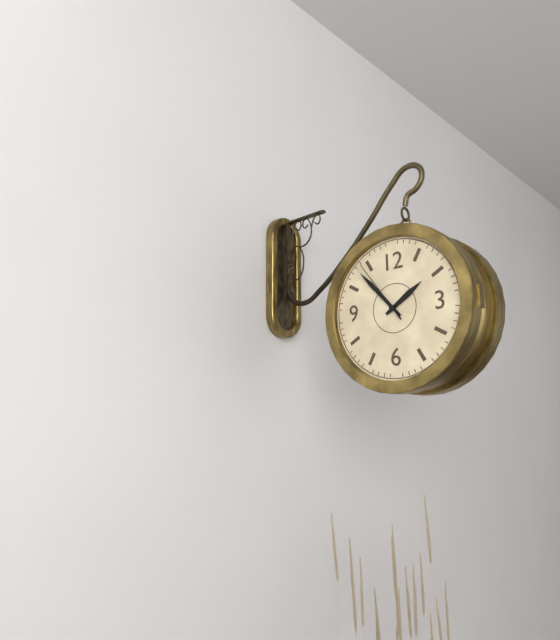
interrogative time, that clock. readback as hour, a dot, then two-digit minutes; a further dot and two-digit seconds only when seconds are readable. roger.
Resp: 1.53.54
